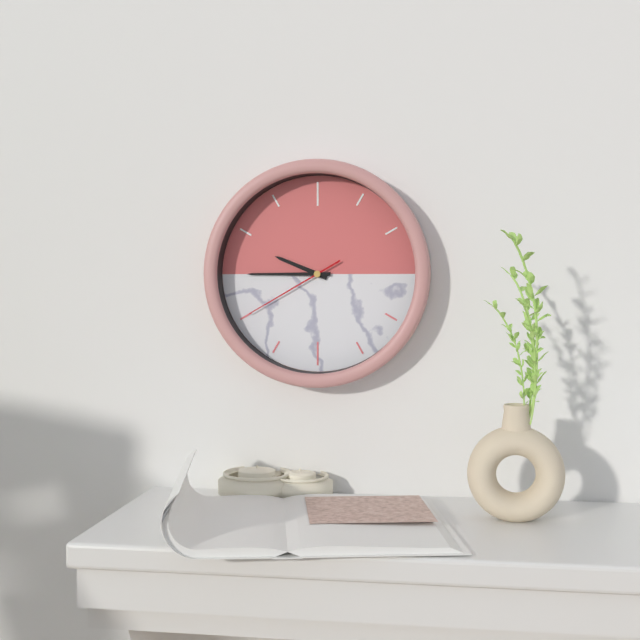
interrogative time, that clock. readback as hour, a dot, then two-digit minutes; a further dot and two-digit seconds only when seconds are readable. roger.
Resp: 9.45.40
